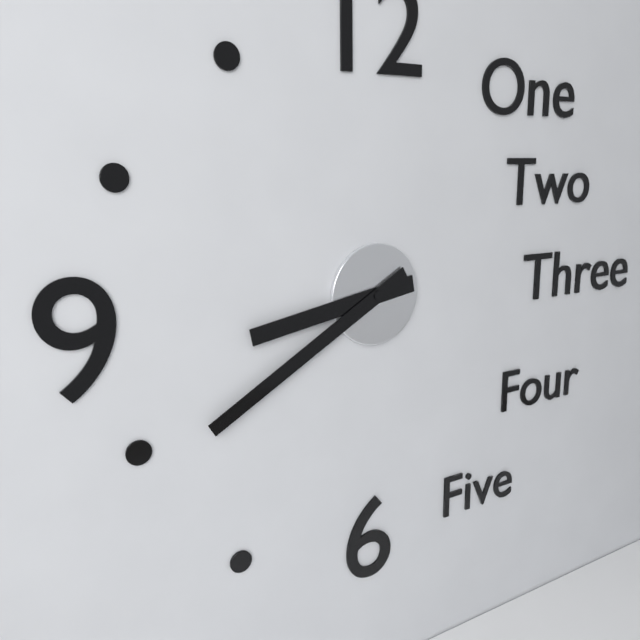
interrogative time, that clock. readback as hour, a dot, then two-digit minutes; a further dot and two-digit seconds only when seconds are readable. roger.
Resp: 8.40
